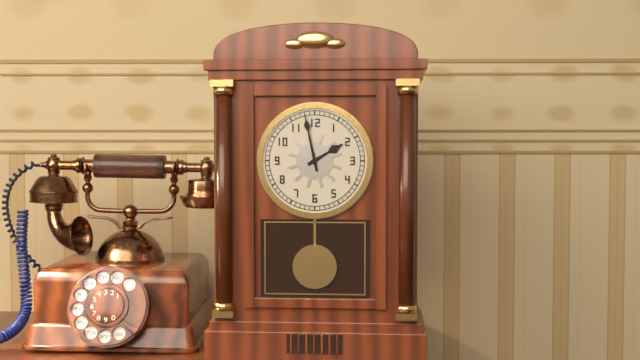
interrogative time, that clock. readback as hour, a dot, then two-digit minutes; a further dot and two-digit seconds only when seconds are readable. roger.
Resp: 1.58
